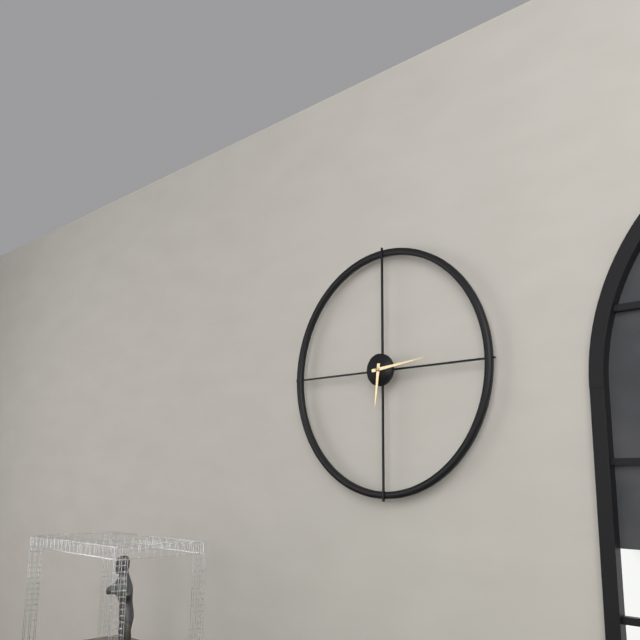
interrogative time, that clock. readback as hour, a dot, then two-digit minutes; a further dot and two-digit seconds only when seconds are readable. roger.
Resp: 6.14
